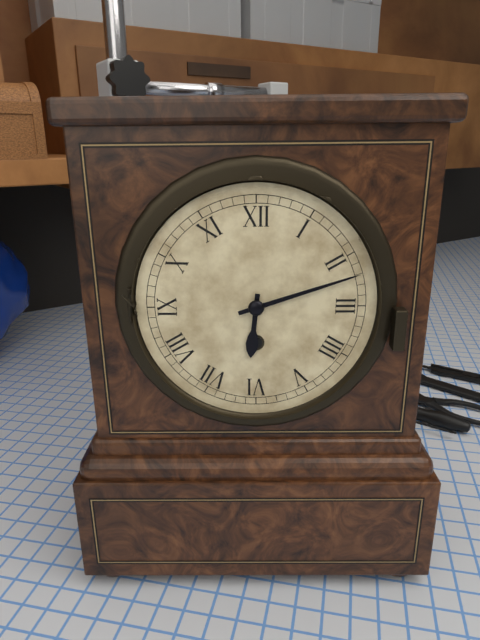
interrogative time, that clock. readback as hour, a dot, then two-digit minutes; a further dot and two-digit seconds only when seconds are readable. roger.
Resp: 6.12
